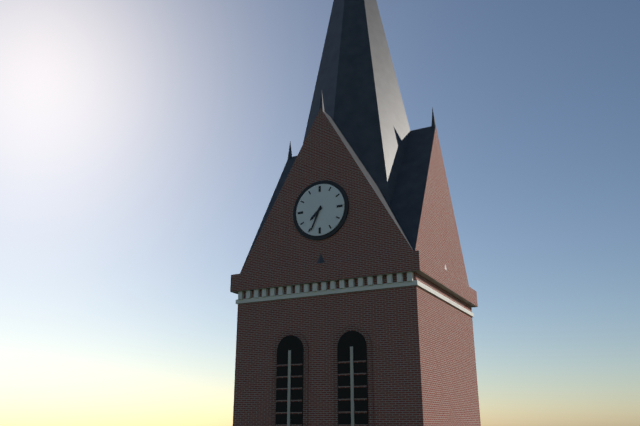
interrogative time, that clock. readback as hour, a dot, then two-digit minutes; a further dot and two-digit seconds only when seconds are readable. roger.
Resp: 7.34
